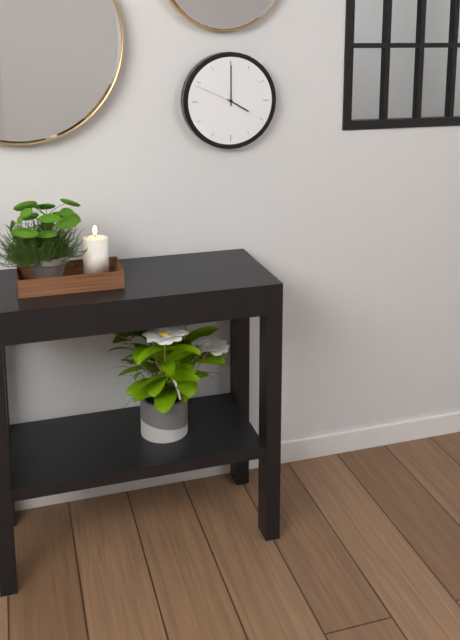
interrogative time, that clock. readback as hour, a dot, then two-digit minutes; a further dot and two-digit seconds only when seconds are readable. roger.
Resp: 4.00
